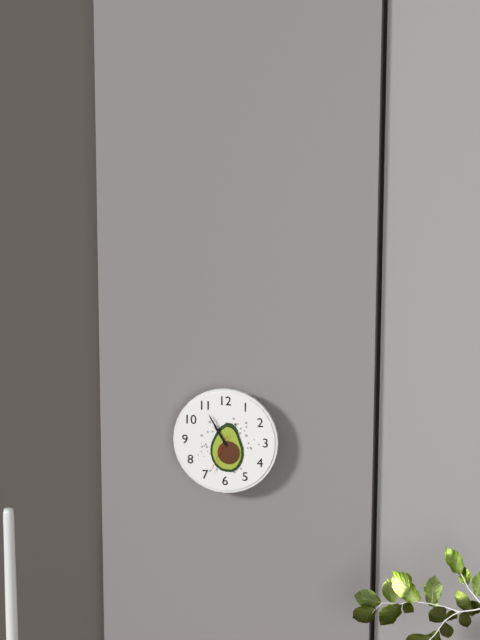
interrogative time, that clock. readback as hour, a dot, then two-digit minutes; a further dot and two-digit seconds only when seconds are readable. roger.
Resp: 10.55
